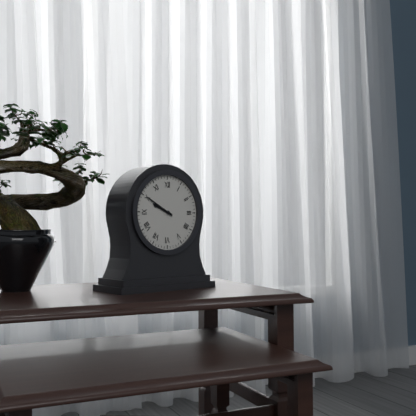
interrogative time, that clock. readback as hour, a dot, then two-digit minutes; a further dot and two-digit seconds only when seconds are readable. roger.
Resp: 9.50
